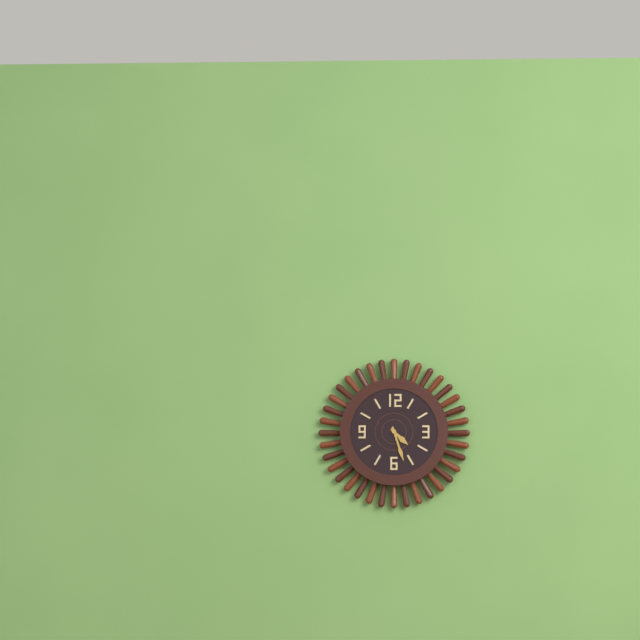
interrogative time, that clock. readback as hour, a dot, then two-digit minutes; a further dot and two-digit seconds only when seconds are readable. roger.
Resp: 4.27
